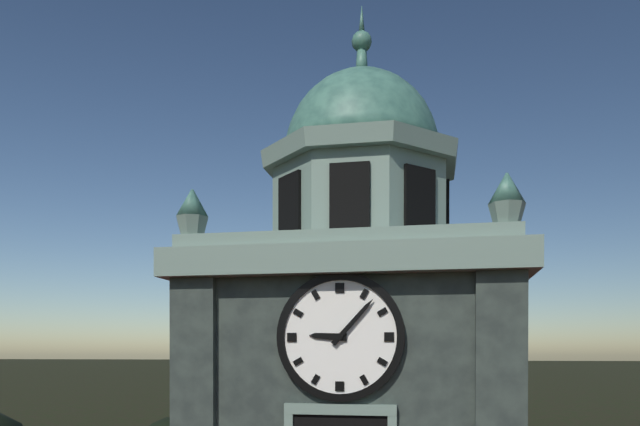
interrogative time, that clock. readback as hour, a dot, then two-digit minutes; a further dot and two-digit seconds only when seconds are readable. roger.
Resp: 9.07
